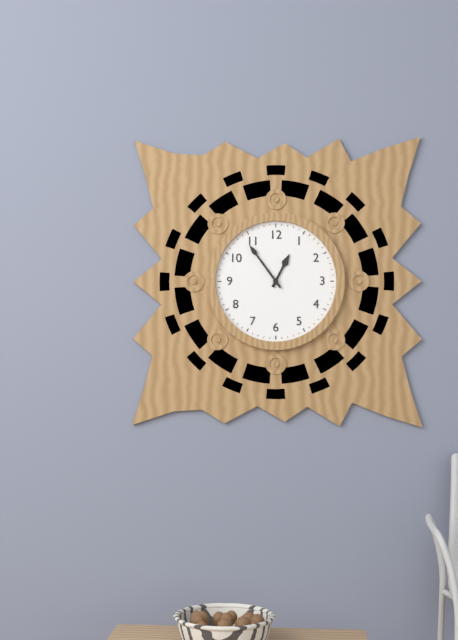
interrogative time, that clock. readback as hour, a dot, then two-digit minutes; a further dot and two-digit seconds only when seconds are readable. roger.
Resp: 12.54
